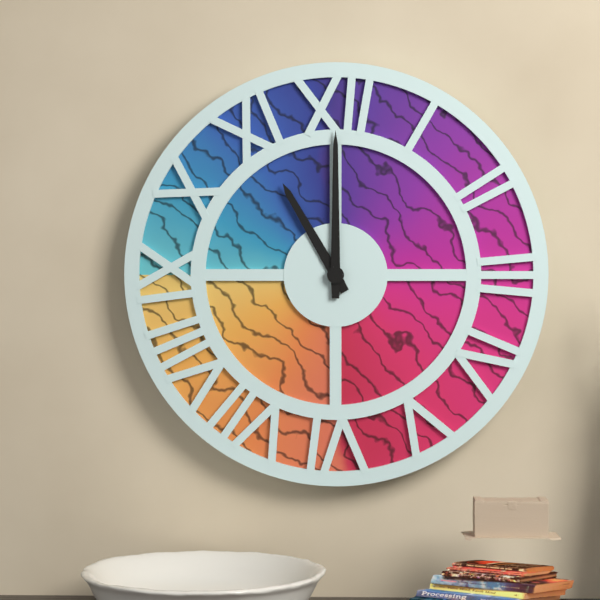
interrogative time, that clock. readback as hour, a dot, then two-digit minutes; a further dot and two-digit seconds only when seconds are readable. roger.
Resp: 11.00
